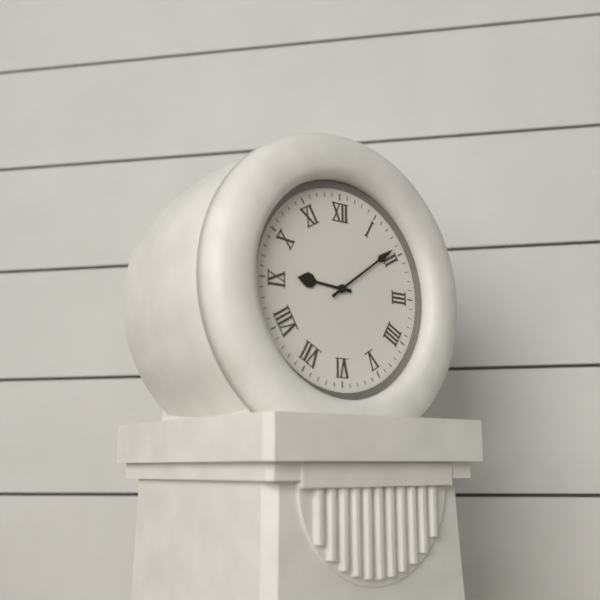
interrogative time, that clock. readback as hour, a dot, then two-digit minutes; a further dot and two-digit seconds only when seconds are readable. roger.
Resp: 9.09
